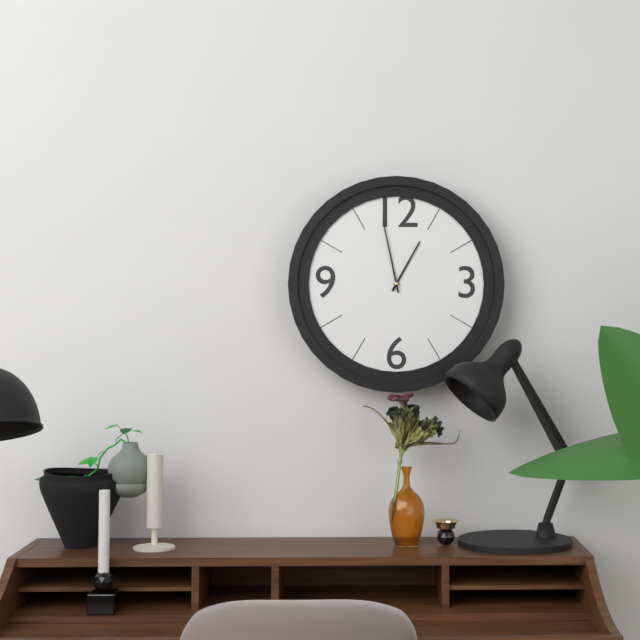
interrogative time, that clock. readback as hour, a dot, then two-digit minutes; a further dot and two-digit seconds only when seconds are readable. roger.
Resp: 12.58
